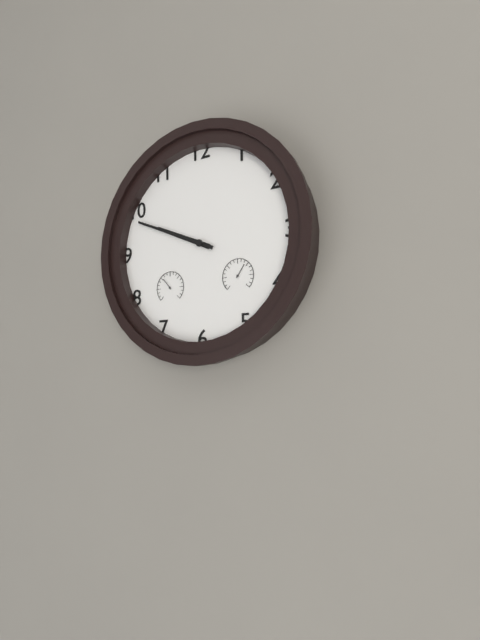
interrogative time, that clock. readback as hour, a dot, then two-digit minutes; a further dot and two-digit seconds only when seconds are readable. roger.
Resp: 9.49
